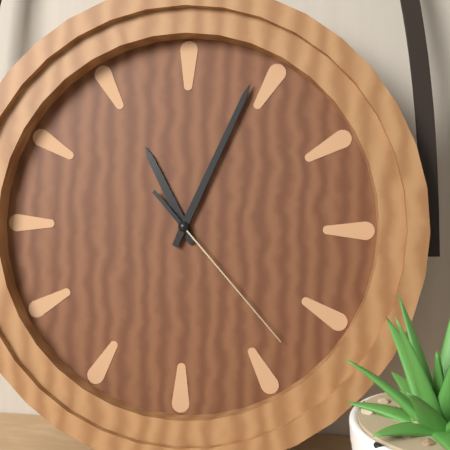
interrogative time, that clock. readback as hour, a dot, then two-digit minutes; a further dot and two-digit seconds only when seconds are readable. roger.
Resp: 11.04.23
